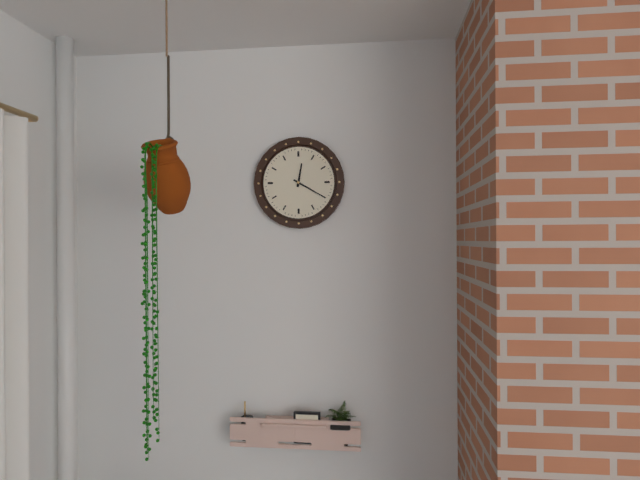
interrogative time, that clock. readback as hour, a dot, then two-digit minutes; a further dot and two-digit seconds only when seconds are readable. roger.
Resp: 12.20
